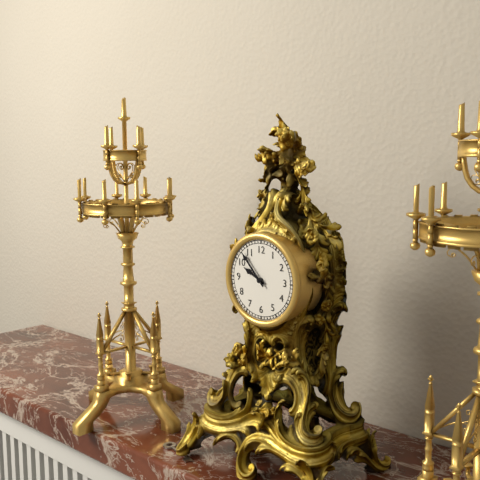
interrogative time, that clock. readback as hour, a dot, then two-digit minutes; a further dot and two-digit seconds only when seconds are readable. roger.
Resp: 9.53
